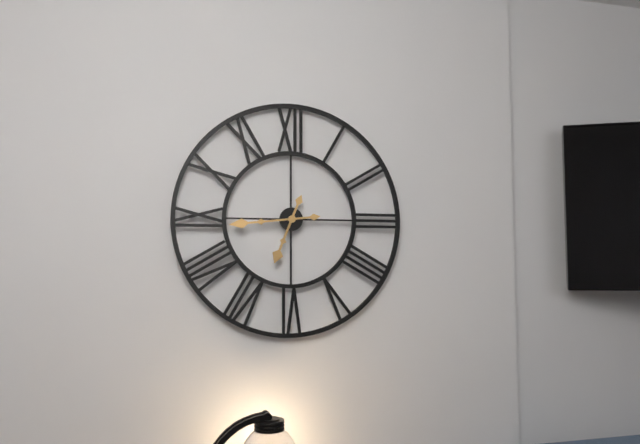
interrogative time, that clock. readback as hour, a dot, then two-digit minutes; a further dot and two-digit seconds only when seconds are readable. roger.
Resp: 6.44
